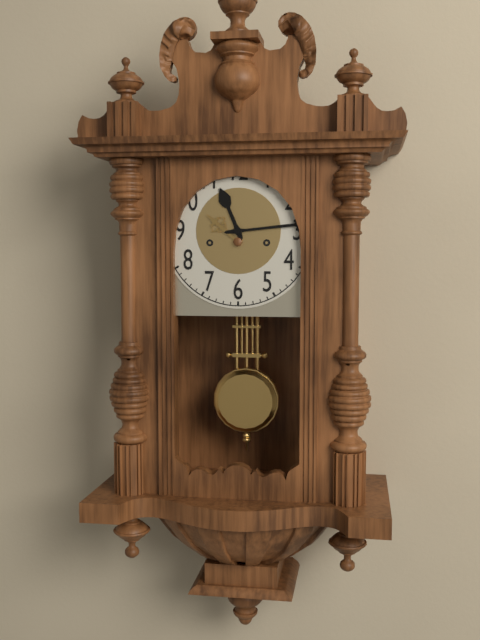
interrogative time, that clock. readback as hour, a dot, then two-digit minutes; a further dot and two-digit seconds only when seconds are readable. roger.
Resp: 11.14
